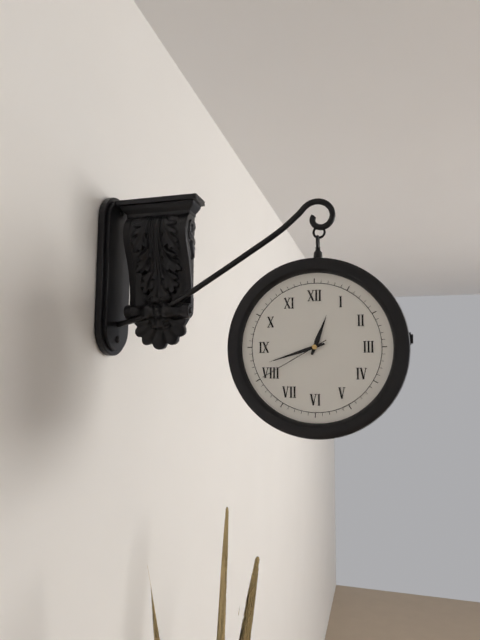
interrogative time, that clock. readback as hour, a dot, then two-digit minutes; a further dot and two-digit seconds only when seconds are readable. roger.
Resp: 12.42.40
